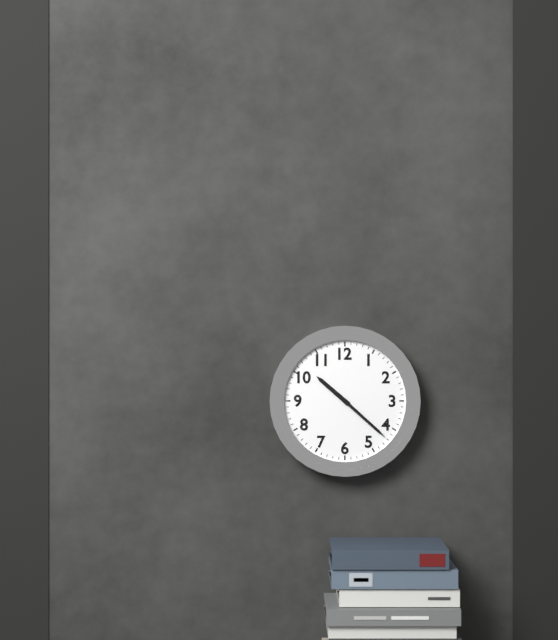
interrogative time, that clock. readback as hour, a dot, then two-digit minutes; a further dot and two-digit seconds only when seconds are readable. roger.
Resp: 10.22
